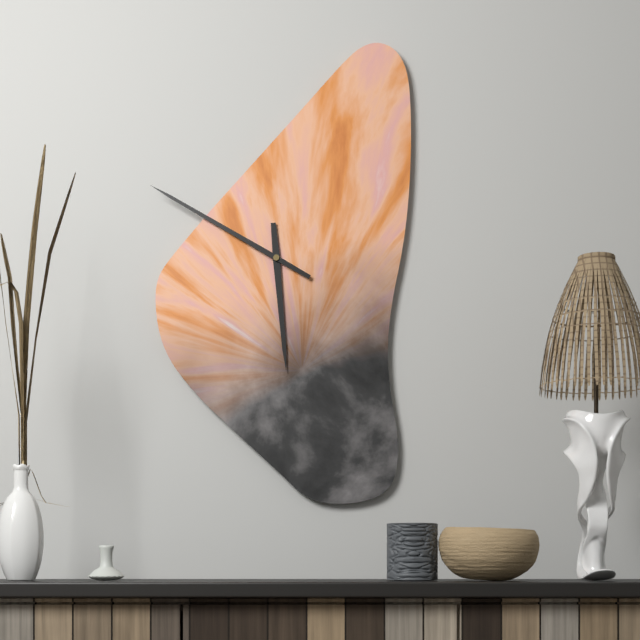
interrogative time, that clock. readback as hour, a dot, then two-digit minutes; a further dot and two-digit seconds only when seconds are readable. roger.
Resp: 5.50
